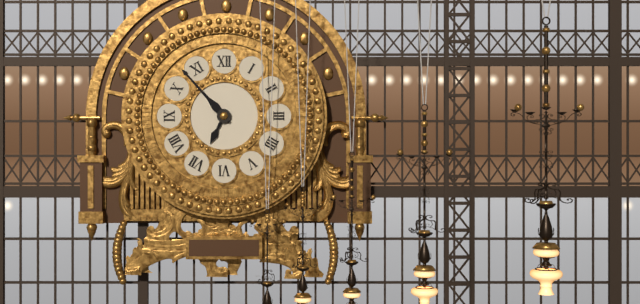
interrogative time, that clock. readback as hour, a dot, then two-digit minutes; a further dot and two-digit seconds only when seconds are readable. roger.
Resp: 6.53
